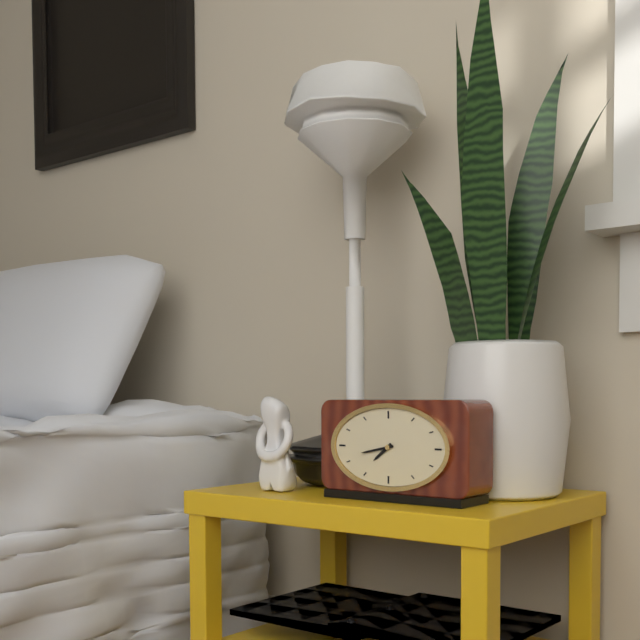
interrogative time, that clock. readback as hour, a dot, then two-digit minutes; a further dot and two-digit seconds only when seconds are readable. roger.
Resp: 7.43
